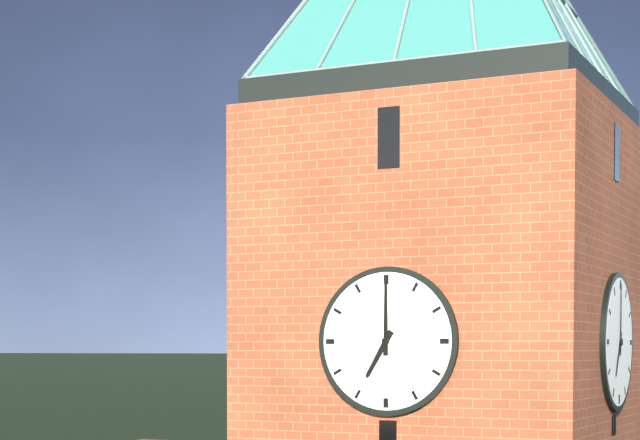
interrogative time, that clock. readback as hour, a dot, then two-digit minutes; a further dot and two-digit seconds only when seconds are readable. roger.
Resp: 7.00
